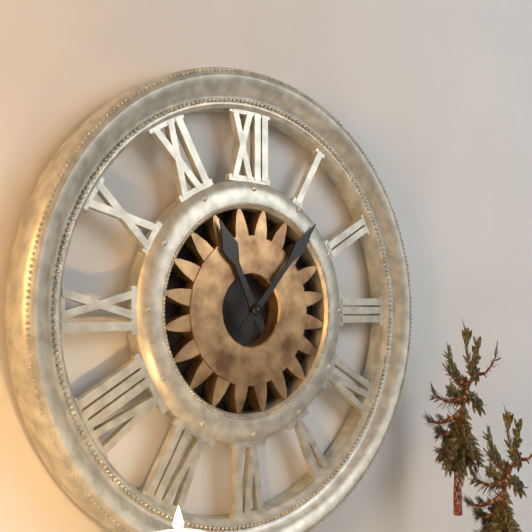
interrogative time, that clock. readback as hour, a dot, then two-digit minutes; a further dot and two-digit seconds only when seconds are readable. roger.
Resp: 11.07
